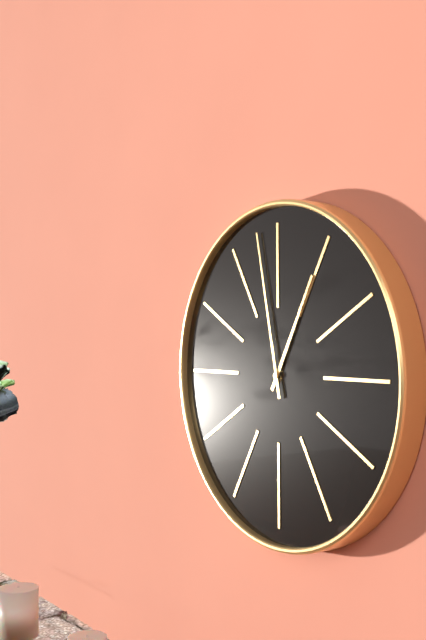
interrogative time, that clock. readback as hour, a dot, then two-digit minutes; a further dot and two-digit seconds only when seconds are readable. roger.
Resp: 12.58
